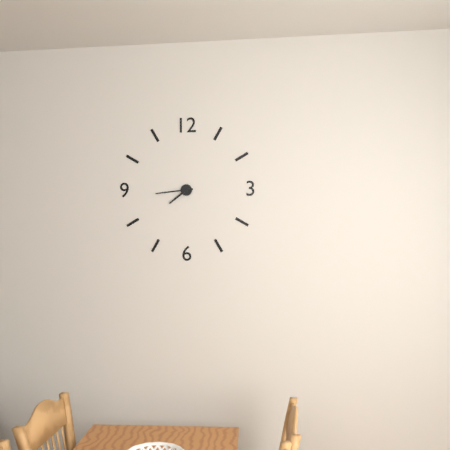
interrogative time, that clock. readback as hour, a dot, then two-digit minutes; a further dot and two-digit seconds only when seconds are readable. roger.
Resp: 7.44
